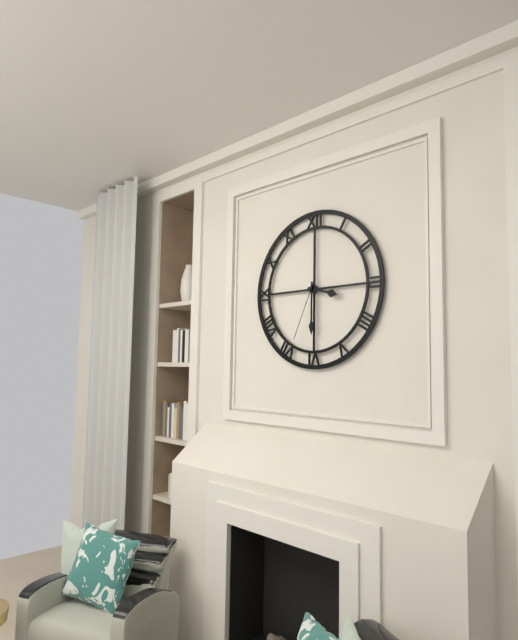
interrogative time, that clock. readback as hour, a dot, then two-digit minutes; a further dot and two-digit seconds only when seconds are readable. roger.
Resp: 3.30.34
